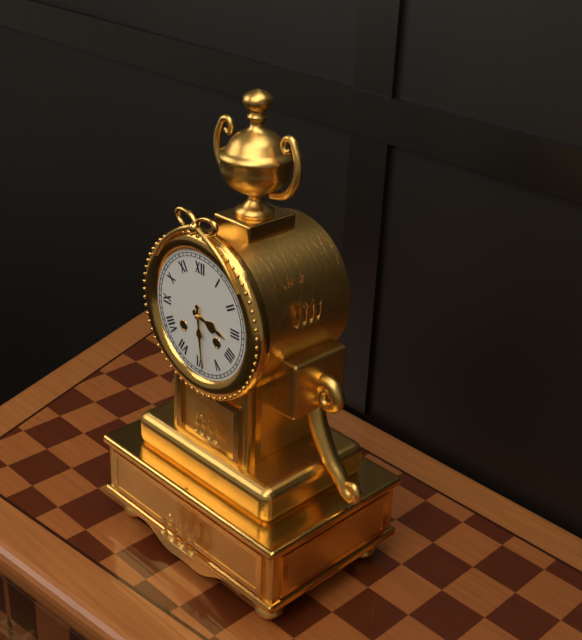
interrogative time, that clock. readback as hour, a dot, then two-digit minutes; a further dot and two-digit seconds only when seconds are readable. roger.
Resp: 3.29
